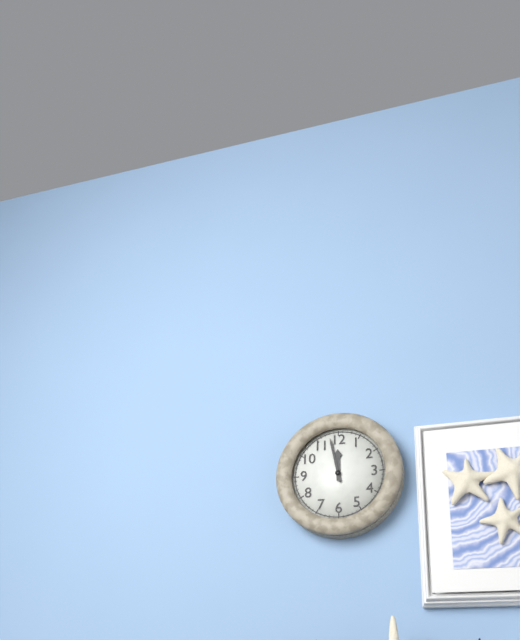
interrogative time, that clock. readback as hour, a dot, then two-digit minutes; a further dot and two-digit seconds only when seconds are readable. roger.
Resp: 11.58
